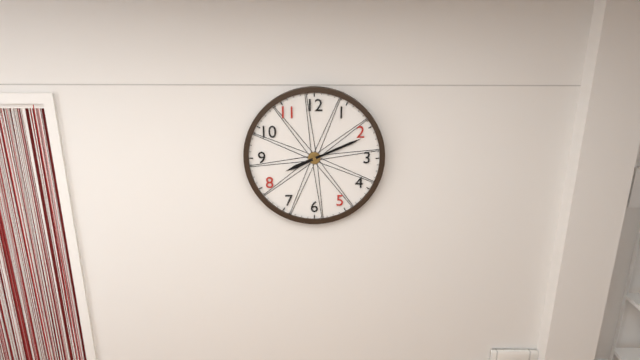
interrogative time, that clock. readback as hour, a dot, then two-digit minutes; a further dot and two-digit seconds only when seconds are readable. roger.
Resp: 8.11
